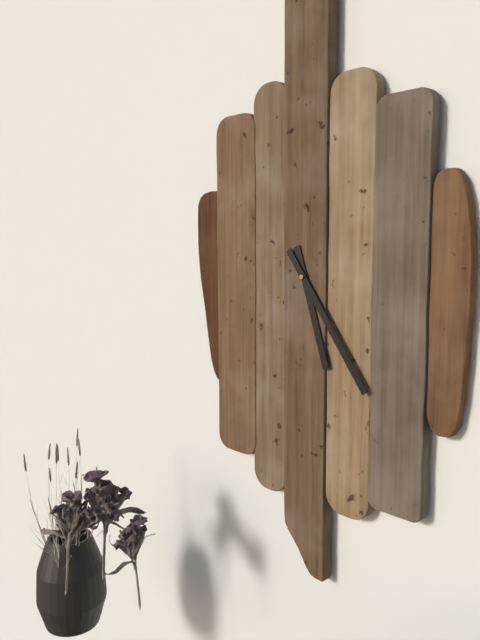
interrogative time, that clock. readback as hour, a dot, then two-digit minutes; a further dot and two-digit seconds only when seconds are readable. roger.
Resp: 5.24
